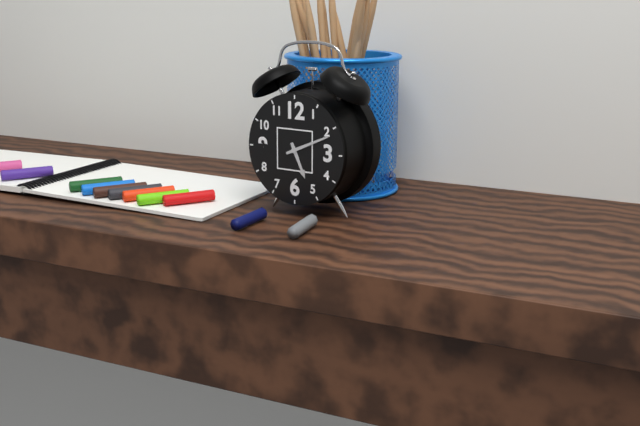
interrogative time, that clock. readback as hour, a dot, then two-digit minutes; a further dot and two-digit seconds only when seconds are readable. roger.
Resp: 5.11
